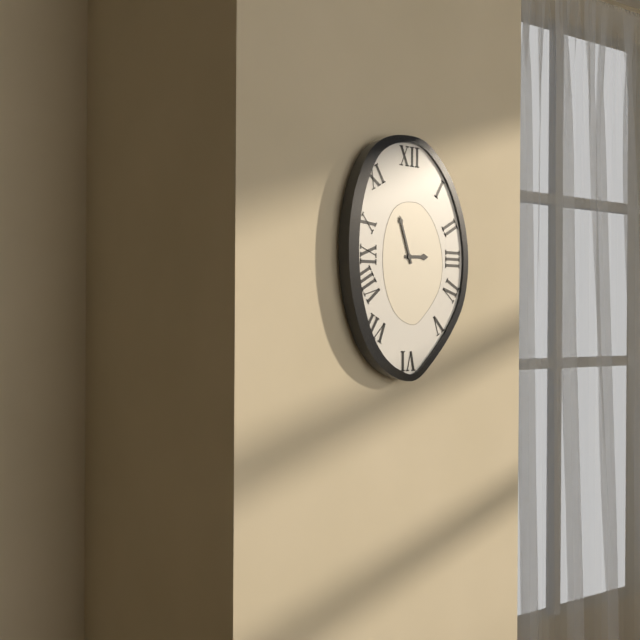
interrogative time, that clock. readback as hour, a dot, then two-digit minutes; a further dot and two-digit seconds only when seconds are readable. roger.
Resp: 2.57
